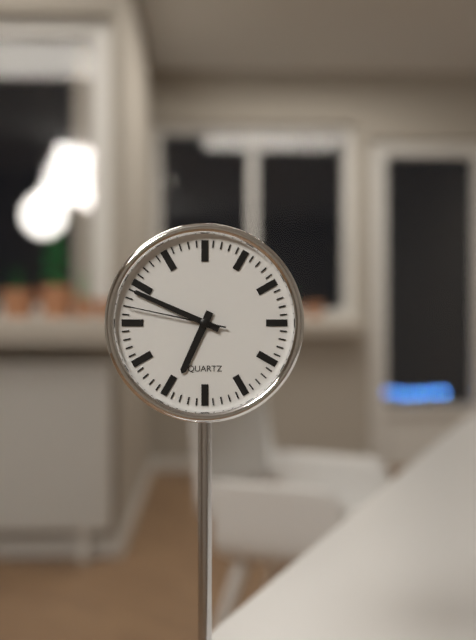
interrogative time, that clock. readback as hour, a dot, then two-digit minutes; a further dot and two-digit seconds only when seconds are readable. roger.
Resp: 6.49.47
